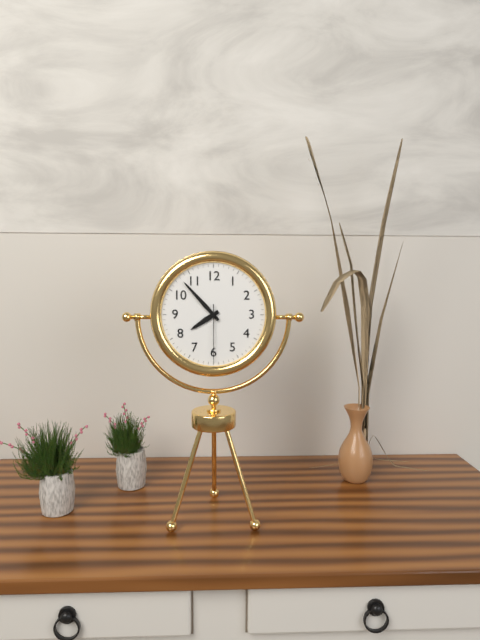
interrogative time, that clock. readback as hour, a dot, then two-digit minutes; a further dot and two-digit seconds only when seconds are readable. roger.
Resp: 7.53.30
